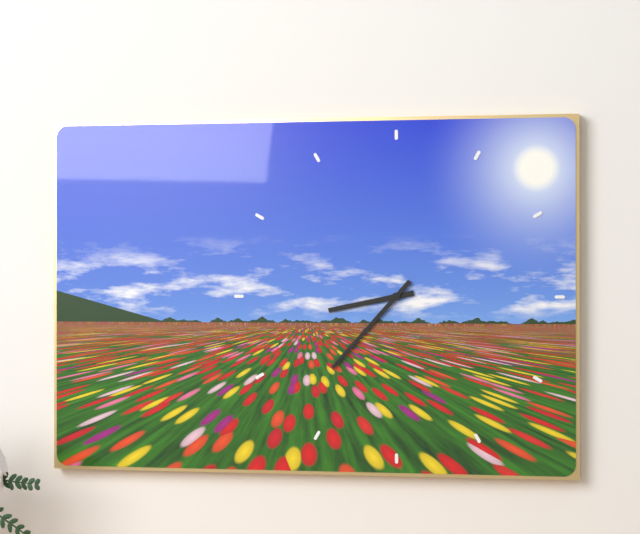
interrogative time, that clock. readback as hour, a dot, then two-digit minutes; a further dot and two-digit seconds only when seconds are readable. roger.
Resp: 8.37
